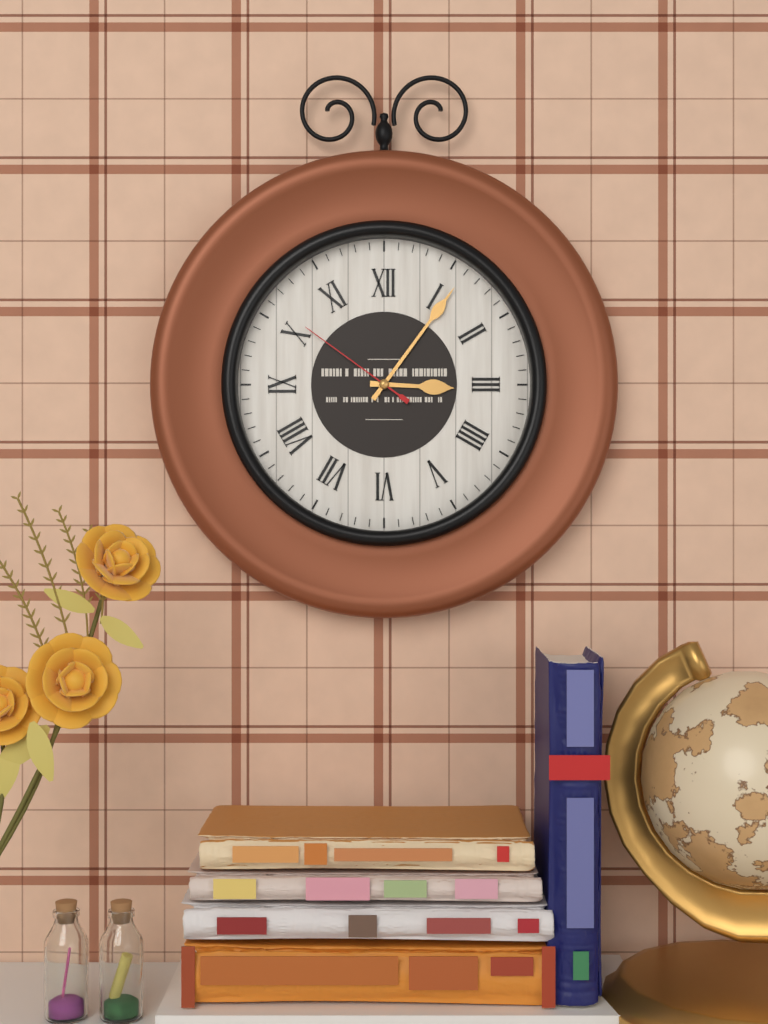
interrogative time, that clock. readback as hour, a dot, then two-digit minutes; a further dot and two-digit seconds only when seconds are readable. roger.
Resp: 3.06.51
